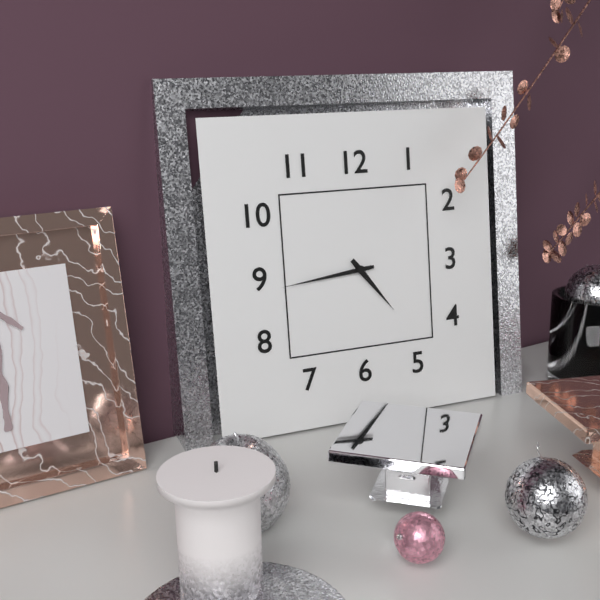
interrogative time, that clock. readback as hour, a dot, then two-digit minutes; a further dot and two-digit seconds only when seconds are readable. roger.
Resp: 4.44
